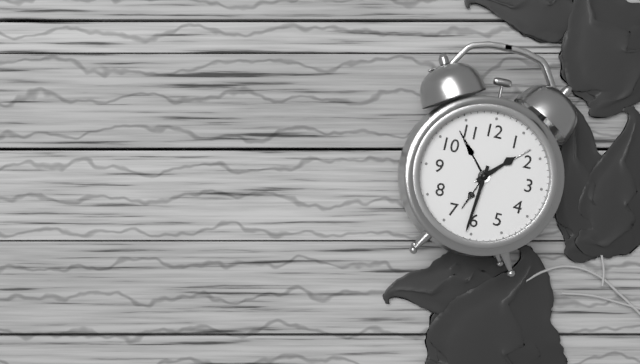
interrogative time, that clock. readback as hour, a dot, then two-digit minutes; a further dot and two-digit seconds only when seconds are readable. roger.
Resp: 1.31
